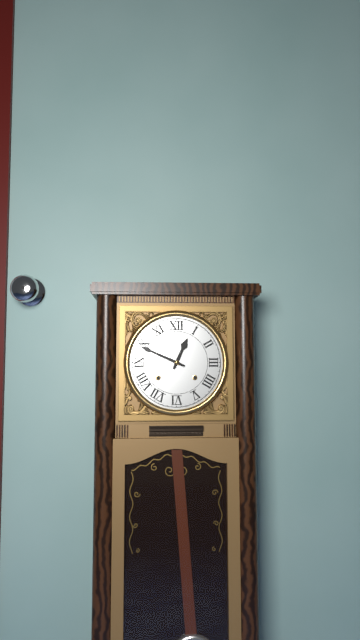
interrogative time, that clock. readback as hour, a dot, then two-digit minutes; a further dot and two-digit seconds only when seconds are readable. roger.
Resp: 12.49
